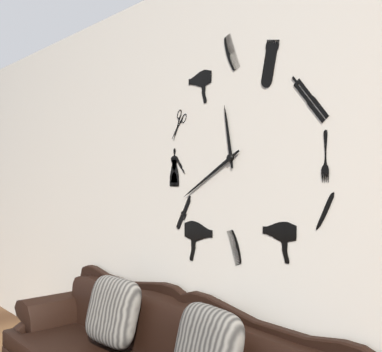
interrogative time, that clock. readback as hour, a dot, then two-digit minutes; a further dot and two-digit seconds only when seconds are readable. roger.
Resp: 11.40
